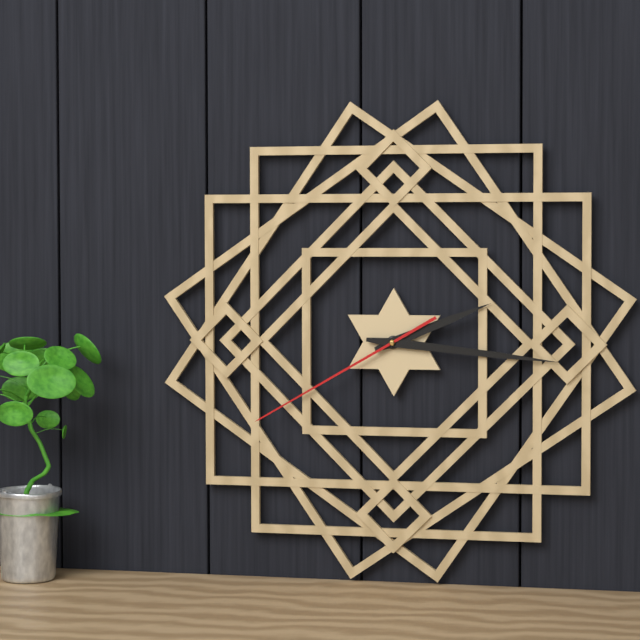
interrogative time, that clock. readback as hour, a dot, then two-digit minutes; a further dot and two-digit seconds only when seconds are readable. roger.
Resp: 2.16.40
